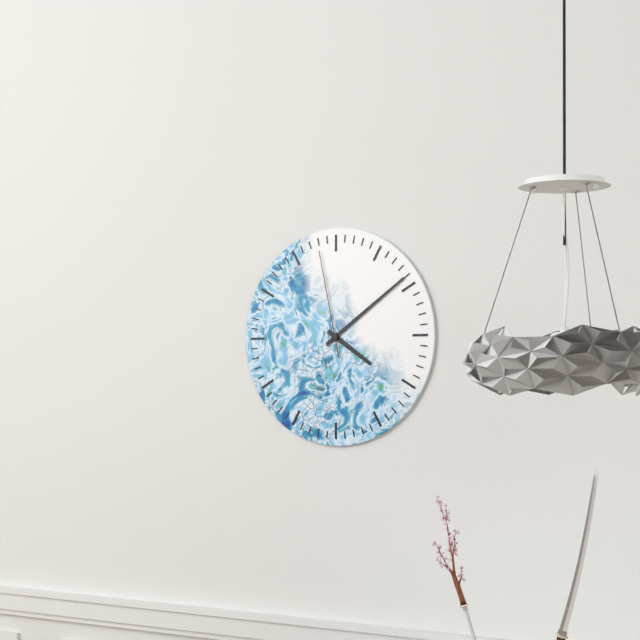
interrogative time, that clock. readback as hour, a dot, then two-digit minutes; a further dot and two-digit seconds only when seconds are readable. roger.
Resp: 4.09.58
